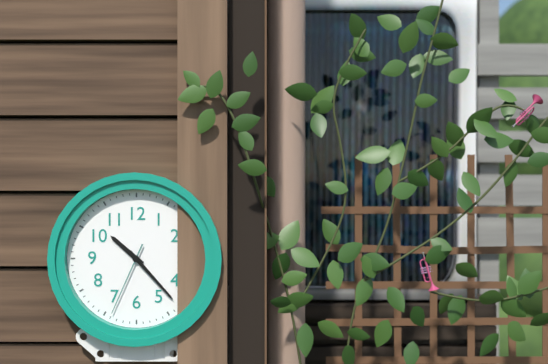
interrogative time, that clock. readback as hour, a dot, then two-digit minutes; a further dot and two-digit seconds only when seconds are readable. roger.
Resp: 10.23.34
